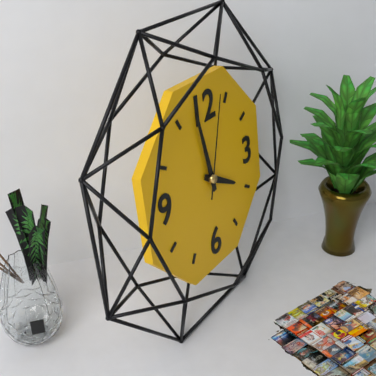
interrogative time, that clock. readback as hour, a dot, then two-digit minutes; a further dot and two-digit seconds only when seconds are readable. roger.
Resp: 3.58.03
